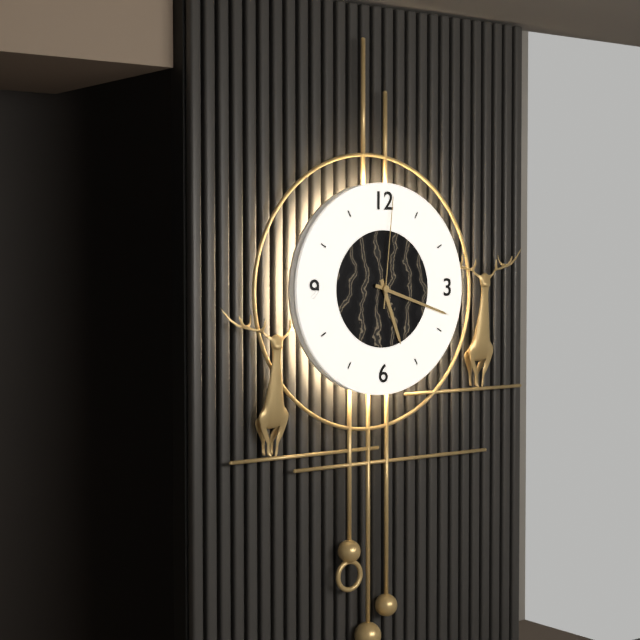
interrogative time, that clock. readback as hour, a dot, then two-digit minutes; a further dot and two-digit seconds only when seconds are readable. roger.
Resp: 5.18.01
